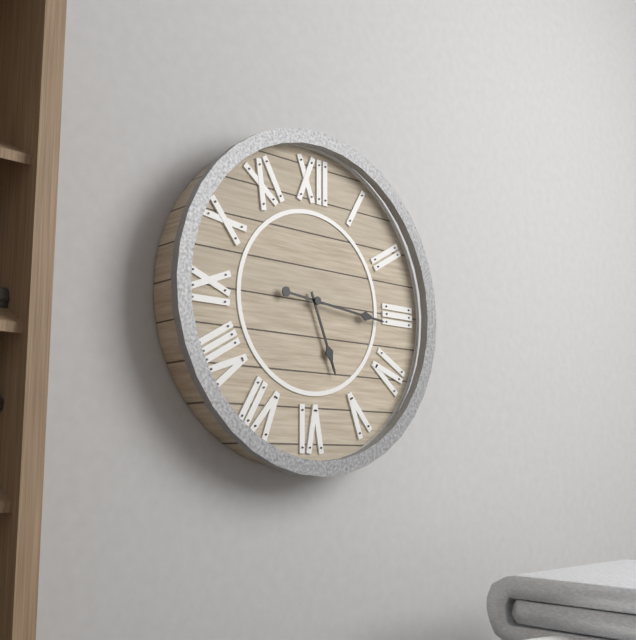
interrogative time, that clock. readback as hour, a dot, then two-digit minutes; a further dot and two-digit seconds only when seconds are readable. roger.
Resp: 5.16
